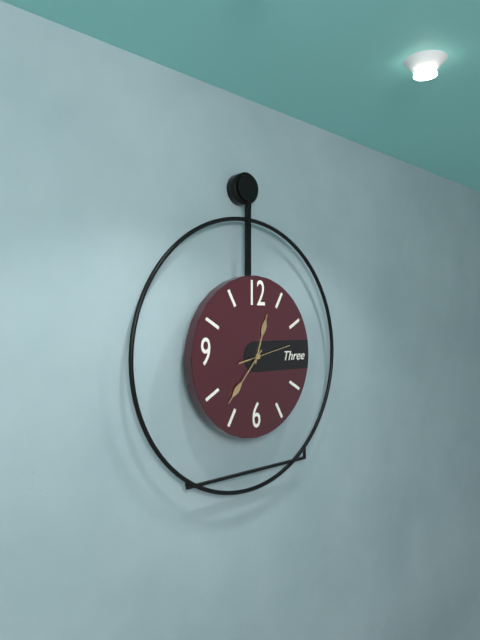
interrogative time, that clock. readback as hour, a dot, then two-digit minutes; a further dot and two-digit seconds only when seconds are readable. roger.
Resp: 12.37.13
